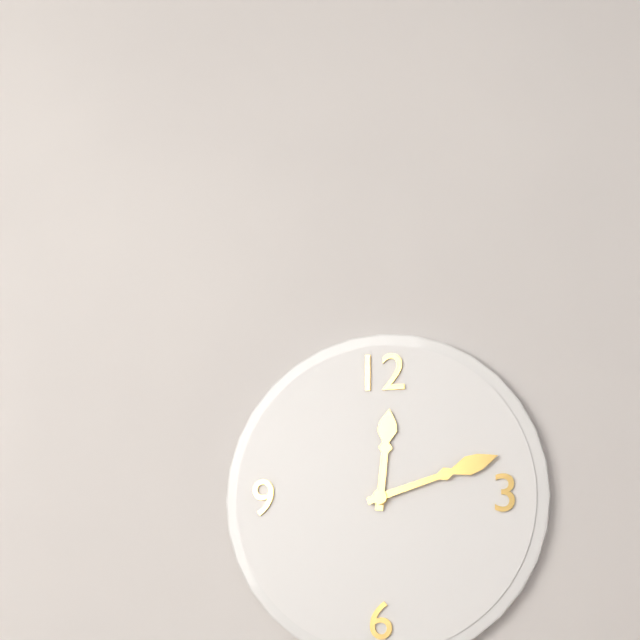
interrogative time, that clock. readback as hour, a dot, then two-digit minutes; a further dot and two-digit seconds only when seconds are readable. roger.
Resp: 12.12
